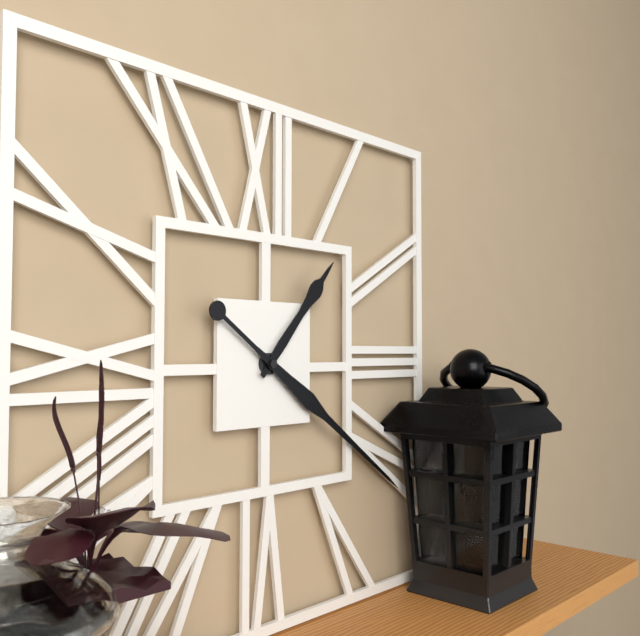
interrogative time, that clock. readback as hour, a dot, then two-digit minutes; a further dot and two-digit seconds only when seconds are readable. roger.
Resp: 1.21
